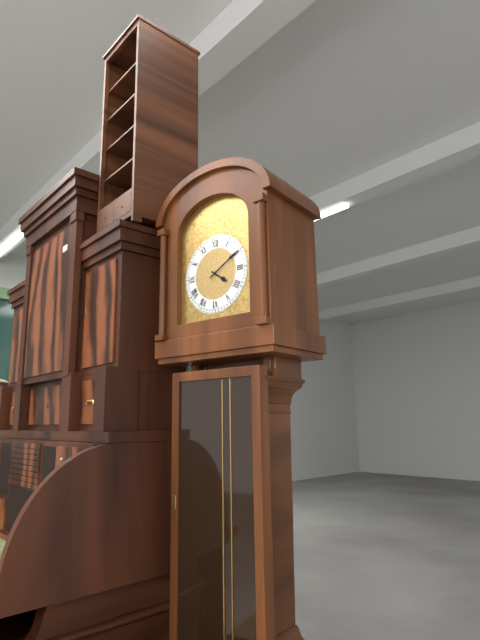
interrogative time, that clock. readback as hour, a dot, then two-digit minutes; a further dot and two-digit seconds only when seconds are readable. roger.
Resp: 4.10
